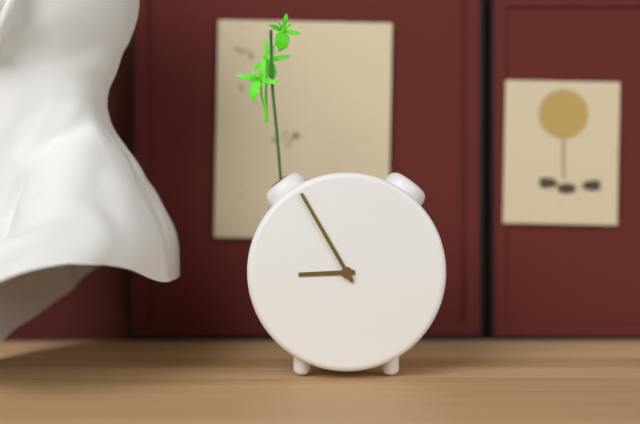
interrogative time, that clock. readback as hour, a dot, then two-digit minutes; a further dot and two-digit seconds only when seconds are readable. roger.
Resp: 8.55
